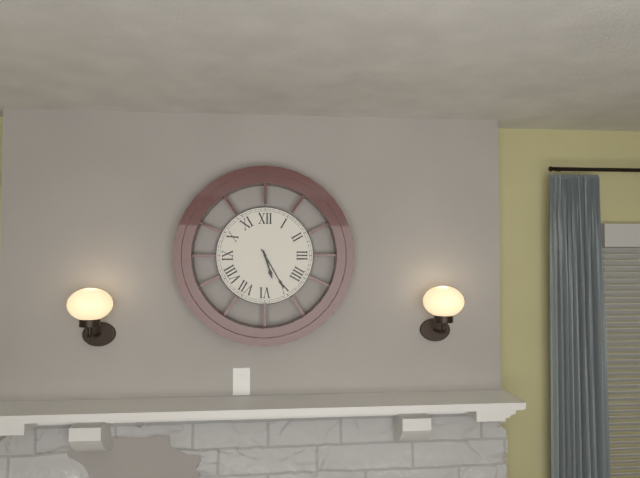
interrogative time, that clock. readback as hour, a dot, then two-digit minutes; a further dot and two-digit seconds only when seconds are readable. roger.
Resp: 5.25
